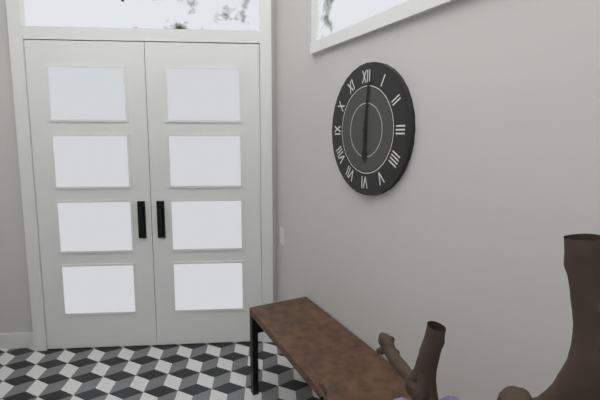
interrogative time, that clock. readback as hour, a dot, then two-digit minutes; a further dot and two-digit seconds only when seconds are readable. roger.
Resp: 6.01
